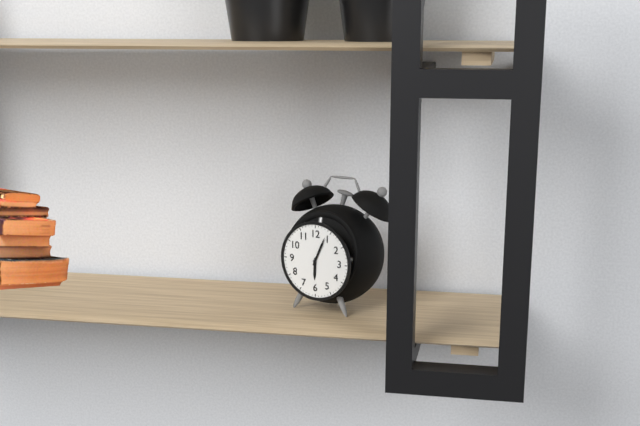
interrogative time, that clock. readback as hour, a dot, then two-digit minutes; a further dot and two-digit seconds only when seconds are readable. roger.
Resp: 6.04
